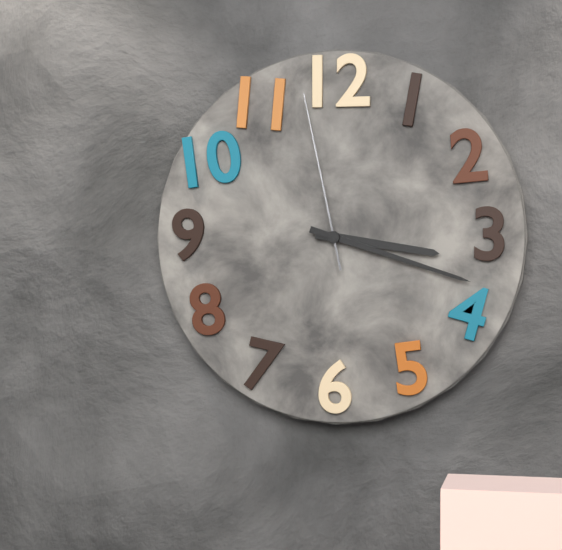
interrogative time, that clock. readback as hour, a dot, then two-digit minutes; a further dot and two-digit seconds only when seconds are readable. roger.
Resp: 3.18.58
